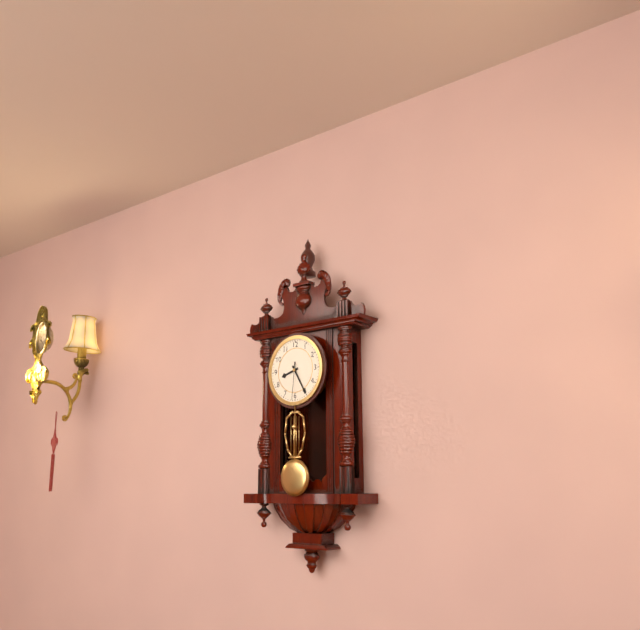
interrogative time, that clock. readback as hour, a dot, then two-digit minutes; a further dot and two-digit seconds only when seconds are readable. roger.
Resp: 8.25
